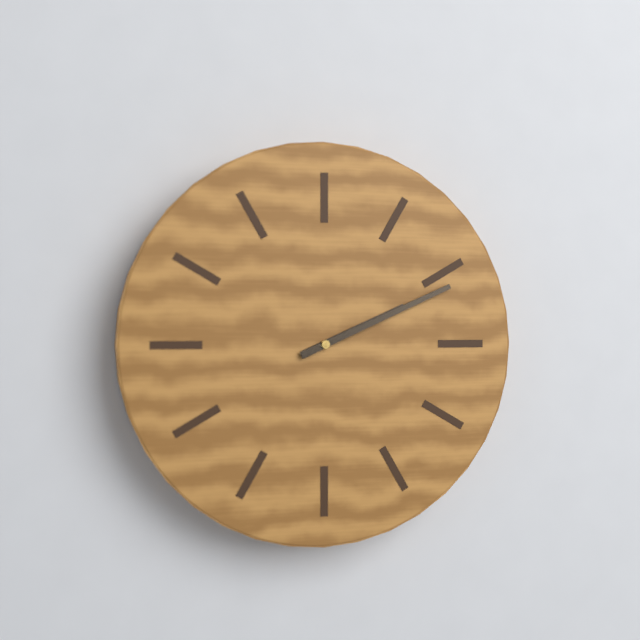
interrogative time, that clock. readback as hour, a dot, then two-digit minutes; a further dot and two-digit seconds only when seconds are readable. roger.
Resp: 2.11
